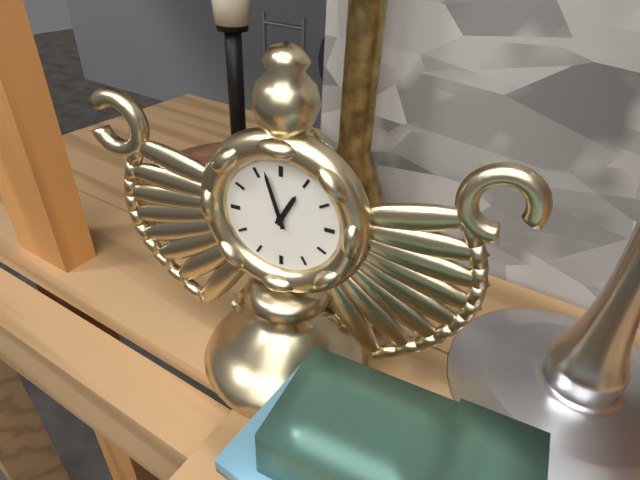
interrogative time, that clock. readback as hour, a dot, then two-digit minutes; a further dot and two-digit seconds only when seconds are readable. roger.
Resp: 12.57
